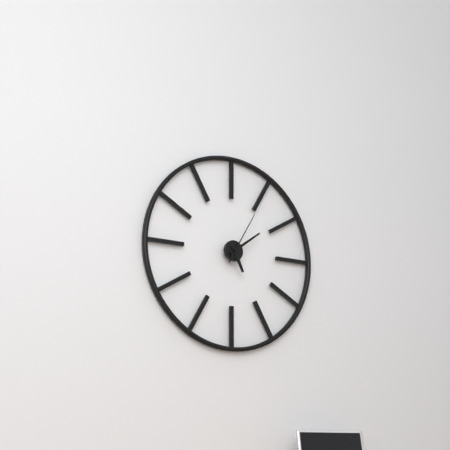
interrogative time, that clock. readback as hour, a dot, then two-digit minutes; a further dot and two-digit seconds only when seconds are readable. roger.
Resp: 5.09.05
